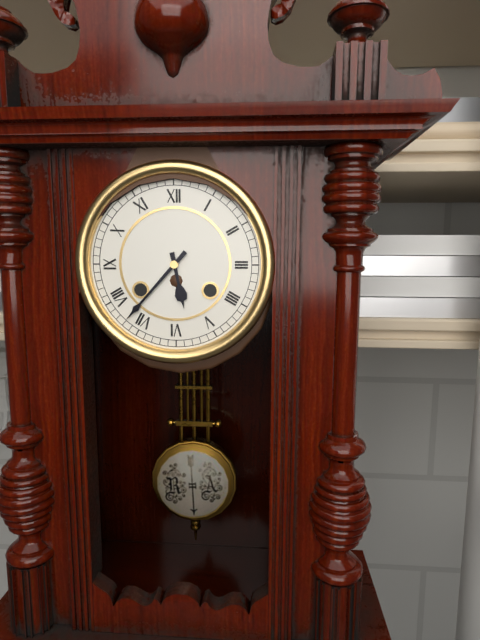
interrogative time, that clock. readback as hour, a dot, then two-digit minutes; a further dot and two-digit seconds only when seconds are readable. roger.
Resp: 5.37
